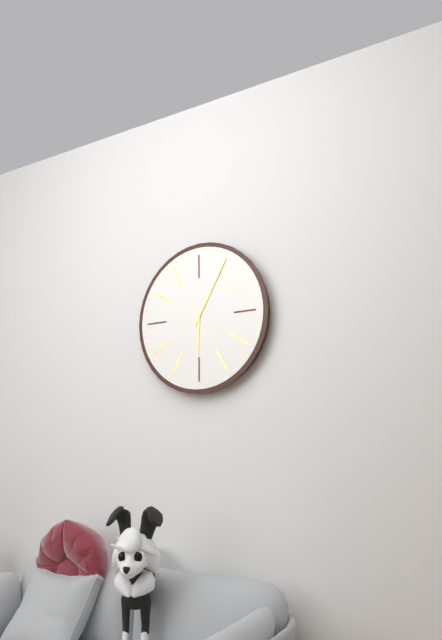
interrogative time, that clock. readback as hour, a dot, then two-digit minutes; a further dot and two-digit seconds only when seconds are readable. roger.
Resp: 6.05
